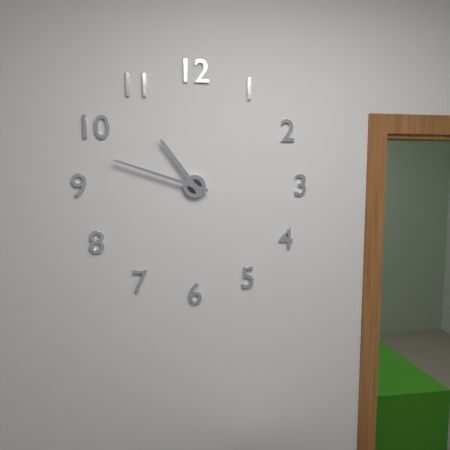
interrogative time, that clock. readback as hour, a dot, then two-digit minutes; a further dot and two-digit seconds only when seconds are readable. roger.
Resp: 10.48
